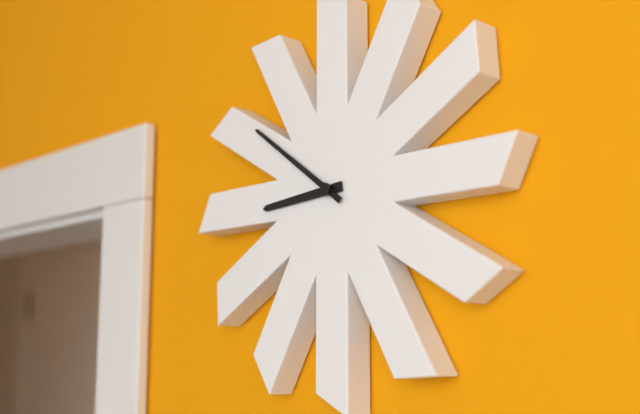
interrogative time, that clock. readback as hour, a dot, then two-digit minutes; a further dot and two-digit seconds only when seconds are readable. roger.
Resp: 8.51
